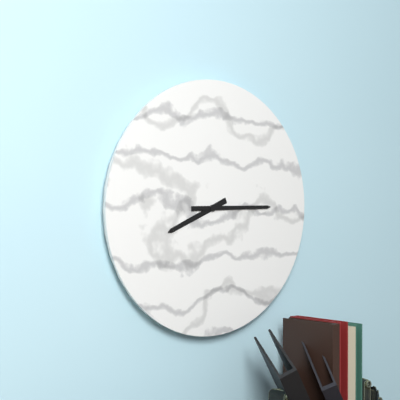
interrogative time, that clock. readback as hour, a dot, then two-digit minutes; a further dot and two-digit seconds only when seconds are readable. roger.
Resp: 8.15
